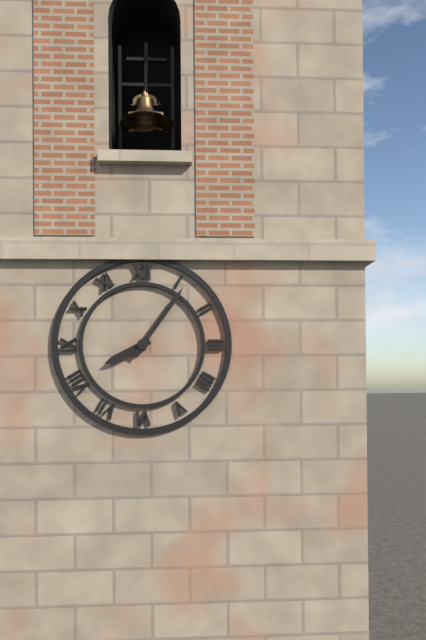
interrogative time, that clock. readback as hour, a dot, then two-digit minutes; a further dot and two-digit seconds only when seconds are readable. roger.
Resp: 8.06
